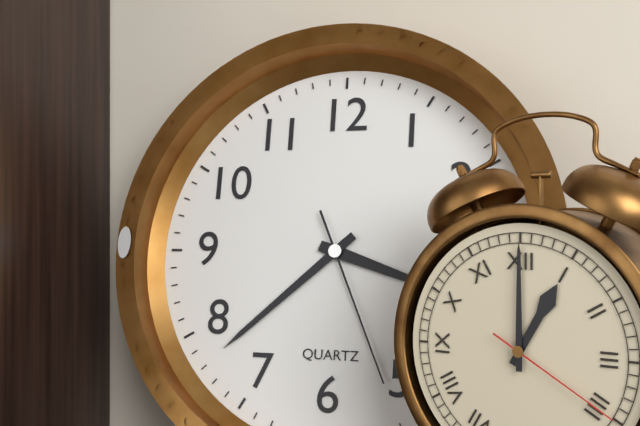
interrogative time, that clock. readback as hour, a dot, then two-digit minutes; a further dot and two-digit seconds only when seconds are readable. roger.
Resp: 3.38.26
